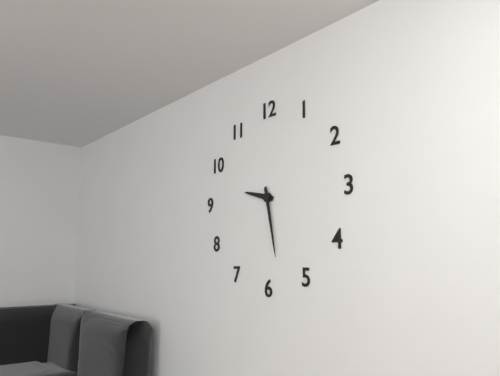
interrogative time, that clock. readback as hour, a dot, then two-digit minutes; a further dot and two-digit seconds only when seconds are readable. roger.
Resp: 9.28
